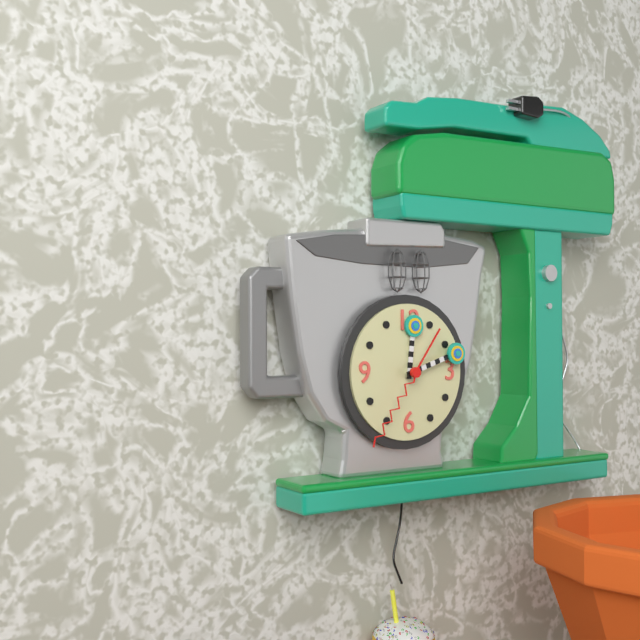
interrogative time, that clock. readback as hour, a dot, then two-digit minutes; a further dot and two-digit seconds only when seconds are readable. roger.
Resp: 12.12.36
